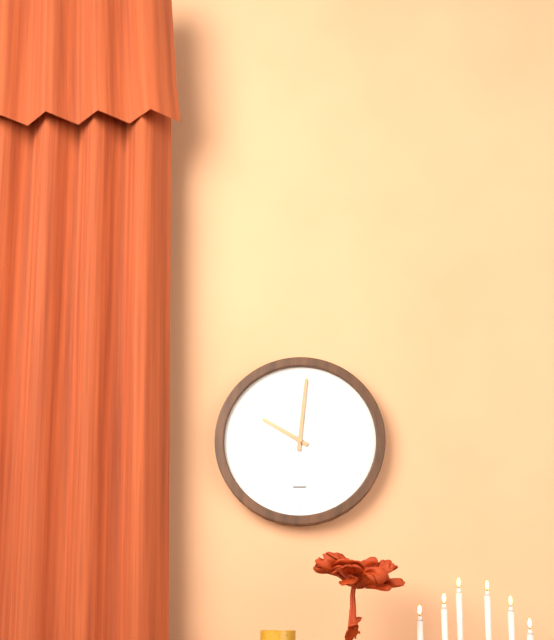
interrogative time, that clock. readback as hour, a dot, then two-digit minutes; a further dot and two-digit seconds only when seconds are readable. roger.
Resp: 10.01
